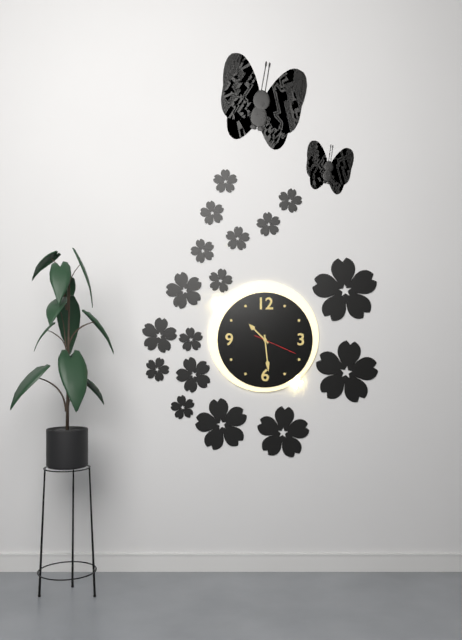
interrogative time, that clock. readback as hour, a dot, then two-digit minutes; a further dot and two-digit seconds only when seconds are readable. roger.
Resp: 10.29
